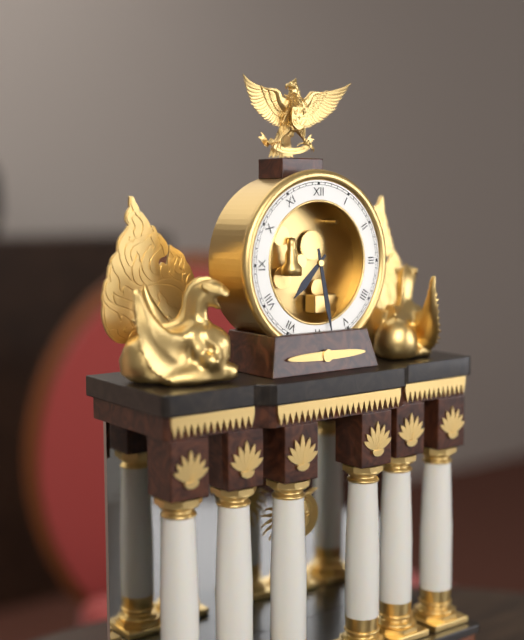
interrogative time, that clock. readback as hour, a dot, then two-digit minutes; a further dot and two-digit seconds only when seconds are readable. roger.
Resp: 7.28
